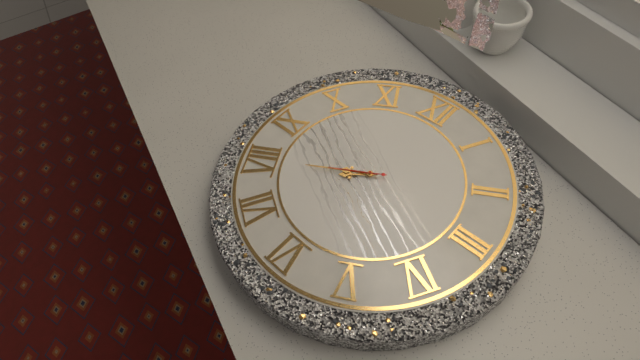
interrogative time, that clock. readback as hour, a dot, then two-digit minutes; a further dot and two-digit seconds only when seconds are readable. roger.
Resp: 7.40.40
